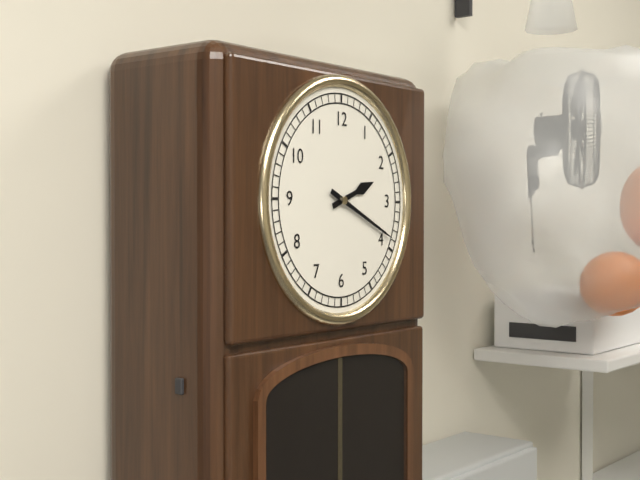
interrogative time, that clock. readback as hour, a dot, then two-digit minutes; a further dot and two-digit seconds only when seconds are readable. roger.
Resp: 2.19
